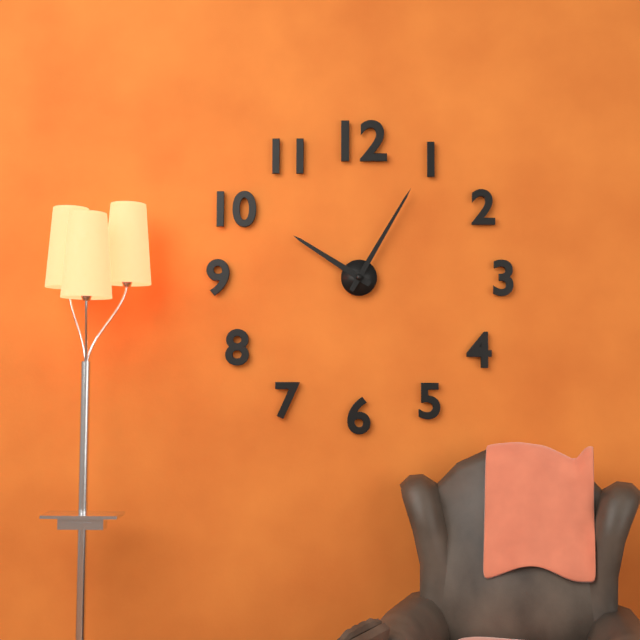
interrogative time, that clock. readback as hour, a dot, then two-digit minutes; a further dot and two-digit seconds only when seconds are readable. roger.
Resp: 10.05
